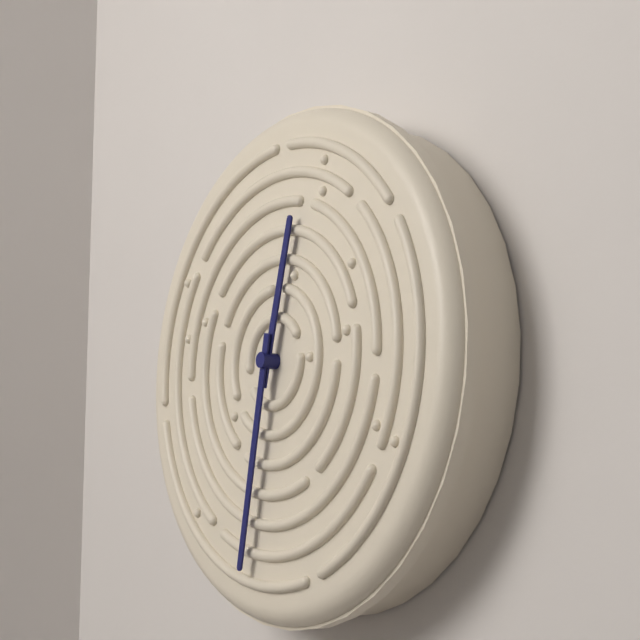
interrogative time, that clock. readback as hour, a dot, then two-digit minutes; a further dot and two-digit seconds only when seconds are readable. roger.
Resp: 12.32
